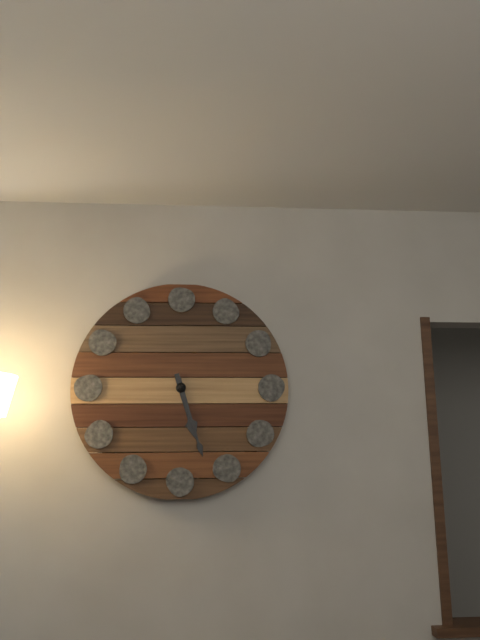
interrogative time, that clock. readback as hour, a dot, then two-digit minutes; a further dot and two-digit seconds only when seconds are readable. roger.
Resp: 5.27
